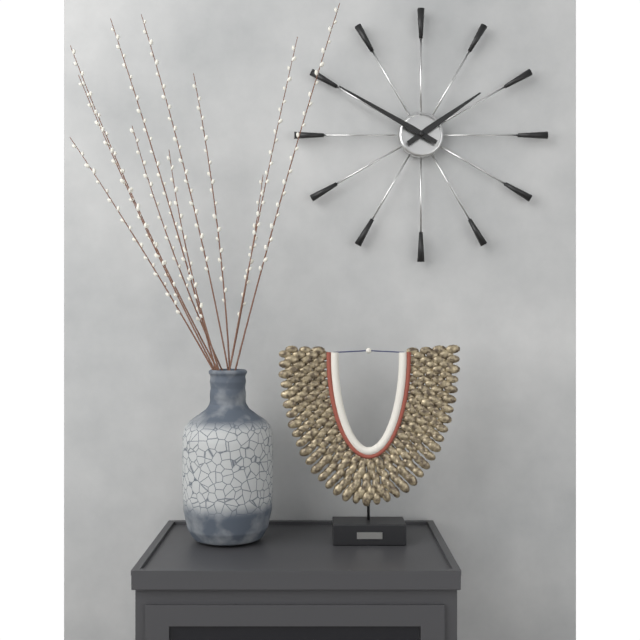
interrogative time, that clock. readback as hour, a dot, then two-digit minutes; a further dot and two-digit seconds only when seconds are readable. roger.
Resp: 1.50
